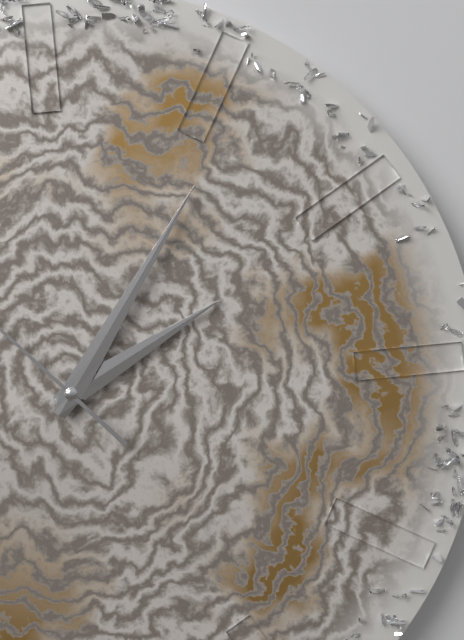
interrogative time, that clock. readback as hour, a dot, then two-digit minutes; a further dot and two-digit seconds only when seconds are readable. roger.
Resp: 2.06
